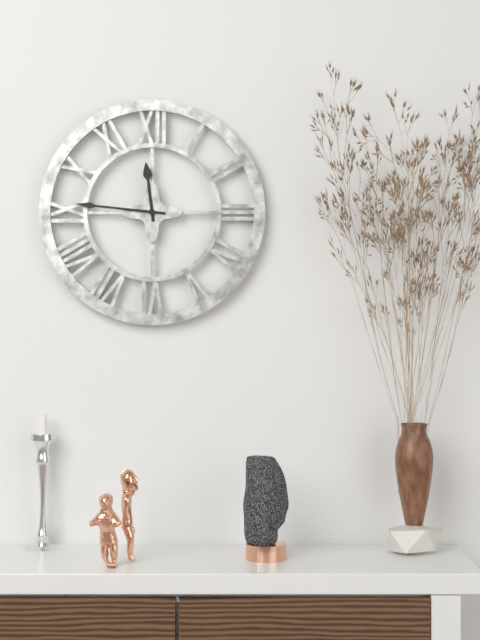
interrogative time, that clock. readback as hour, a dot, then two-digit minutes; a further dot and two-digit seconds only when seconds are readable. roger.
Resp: 11.46
